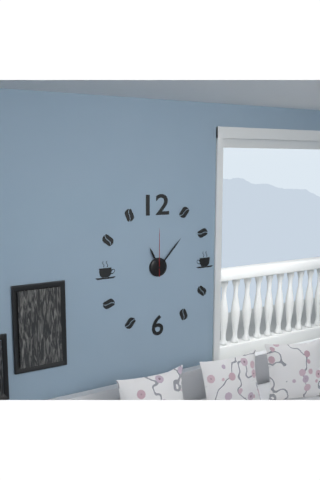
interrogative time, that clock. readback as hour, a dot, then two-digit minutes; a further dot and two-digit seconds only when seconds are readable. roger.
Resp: 11.07
